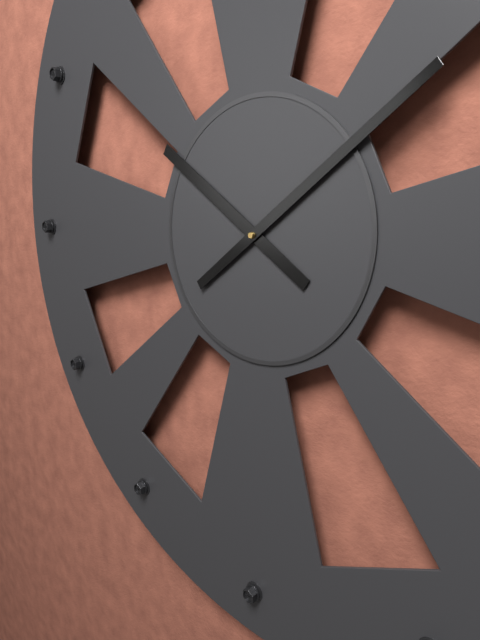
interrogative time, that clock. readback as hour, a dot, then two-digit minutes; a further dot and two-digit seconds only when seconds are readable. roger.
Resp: 10.09
